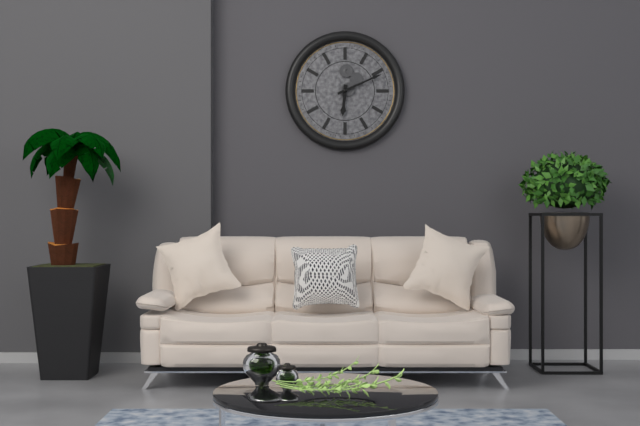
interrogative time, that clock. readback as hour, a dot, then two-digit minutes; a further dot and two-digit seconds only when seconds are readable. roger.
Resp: 6.11
